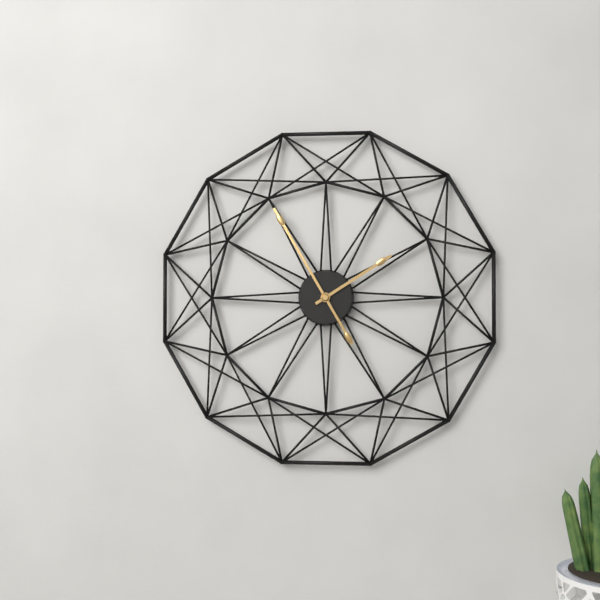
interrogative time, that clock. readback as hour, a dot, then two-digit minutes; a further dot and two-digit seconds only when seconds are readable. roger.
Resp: 1.55
